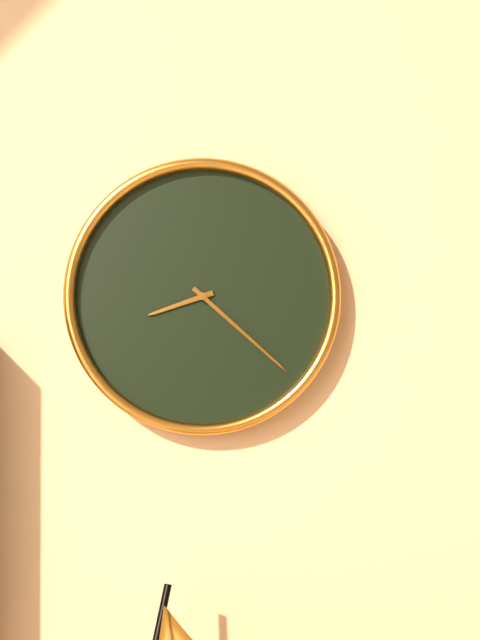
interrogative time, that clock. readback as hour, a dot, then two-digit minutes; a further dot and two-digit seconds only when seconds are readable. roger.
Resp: 8.22
